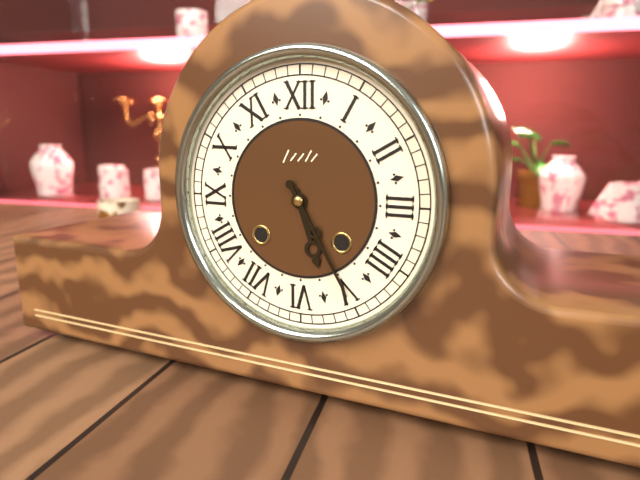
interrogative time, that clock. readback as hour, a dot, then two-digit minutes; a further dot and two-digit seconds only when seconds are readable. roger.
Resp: 5.25
